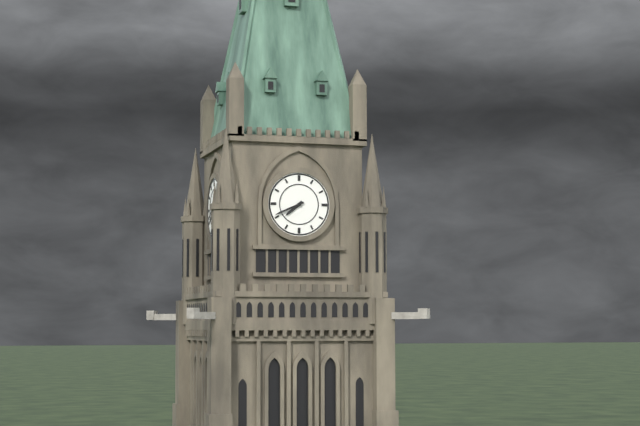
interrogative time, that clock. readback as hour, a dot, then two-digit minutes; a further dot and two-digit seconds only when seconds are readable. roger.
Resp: 7.41
